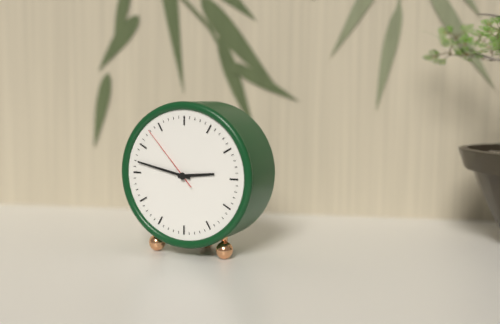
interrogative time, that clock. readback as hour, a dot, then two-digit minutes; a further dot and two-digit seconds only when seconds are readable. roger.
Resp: 2.47.53
